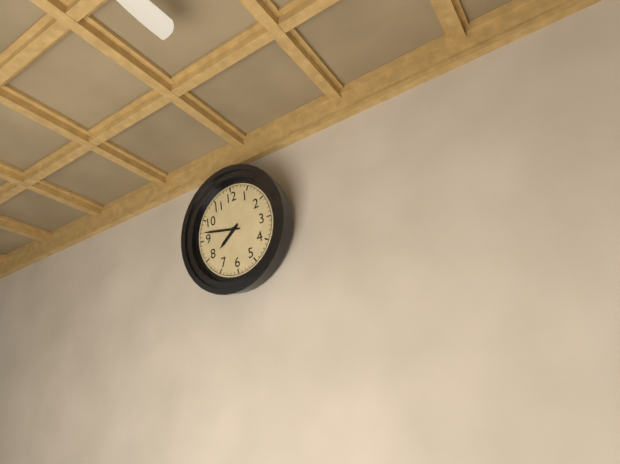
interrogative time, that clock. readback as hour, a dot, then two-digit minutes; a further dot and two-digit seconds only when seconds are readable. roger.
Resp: 7.47
